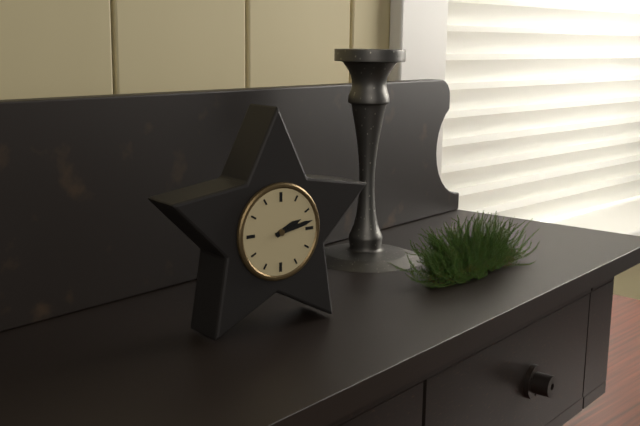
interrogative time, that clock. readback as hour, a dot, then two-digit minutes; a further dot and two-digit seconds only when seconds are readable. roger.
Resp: 2.13
